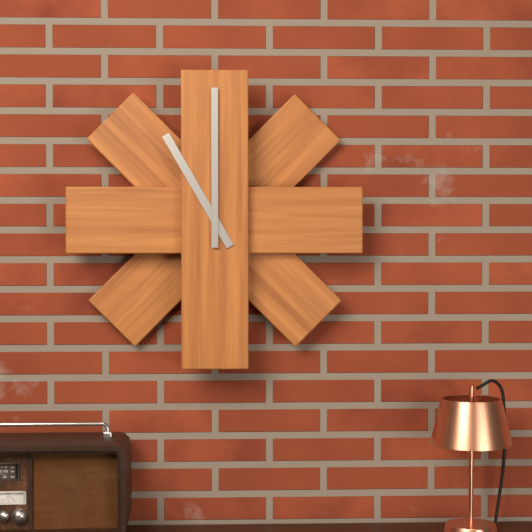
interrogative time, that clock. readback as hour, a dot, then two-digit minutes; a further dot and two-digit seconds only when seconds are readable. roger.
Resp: 11.00
